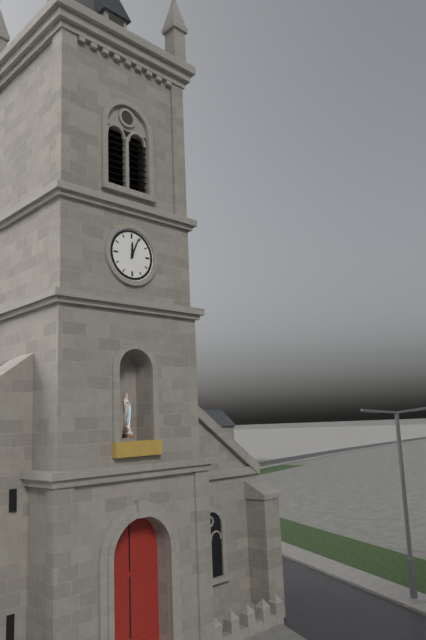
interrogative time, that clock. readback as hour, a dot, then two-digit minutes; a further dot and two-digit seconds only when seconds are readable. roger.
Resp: 12.04
